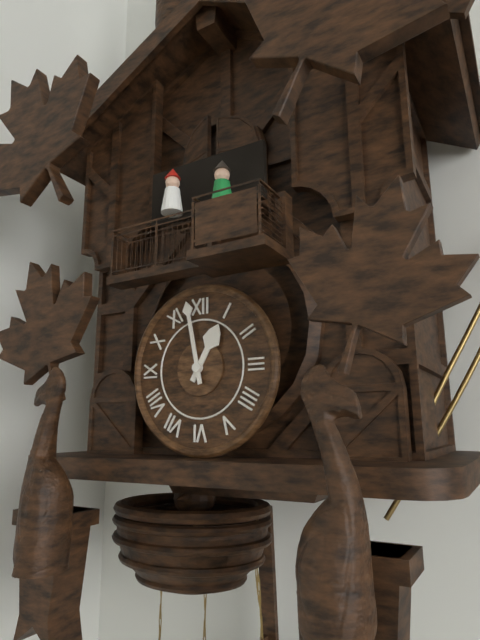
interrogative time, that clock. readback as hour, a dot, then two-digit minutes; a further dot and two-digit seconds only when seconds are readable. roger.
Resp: 12.58
